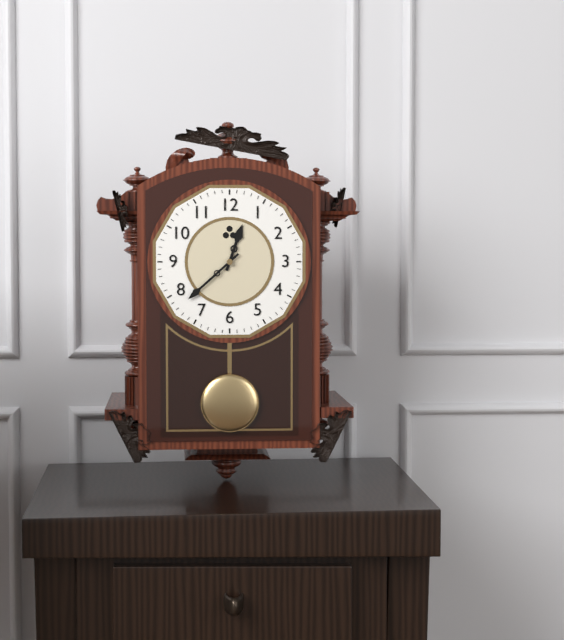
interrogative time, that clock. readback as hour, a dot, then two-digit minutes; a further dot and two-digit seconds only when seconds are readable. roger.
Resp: 12.38
